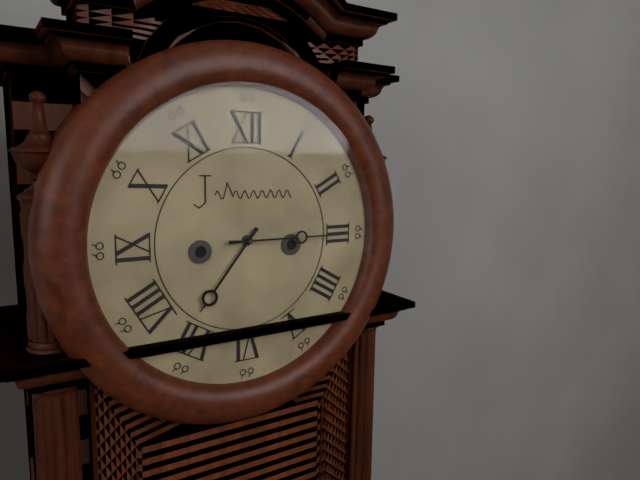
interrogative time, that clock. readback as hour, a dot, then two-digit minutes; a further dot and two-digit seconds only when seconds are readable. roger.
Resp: 7.15
